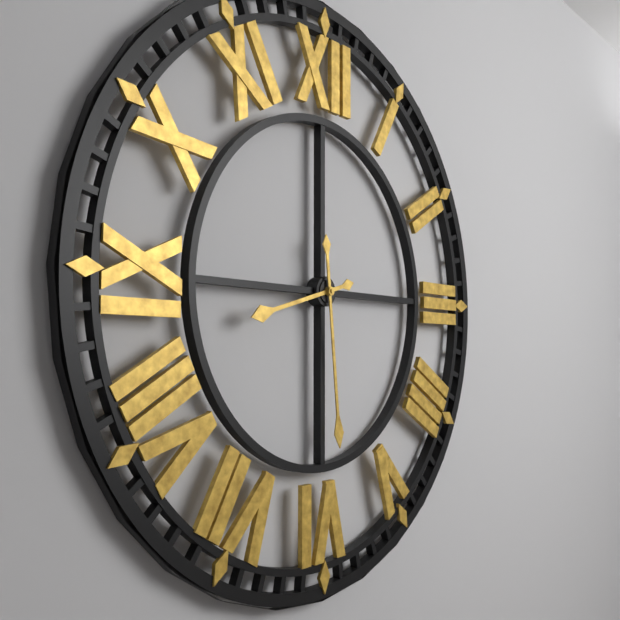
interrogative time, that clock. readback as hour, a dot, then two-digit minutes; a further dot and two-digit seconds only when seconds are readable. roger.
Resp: 8.29
